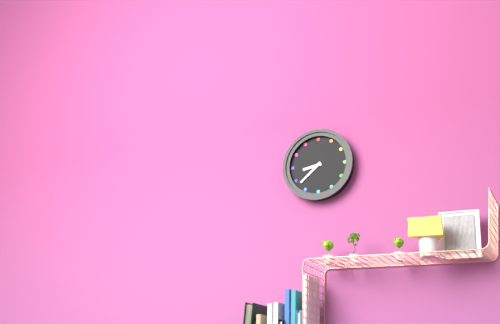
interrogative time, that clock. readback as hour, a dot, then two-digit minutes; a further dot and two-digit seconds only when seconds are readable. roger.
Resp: 8.38
